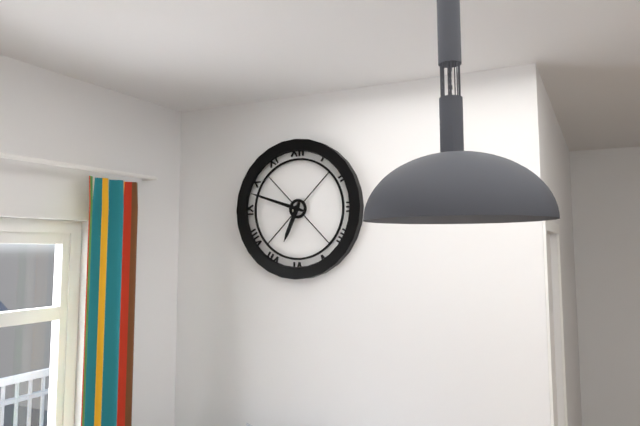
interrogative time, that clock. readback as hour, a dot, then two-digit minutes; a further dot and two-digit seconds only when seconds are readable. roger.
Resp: 6.48
